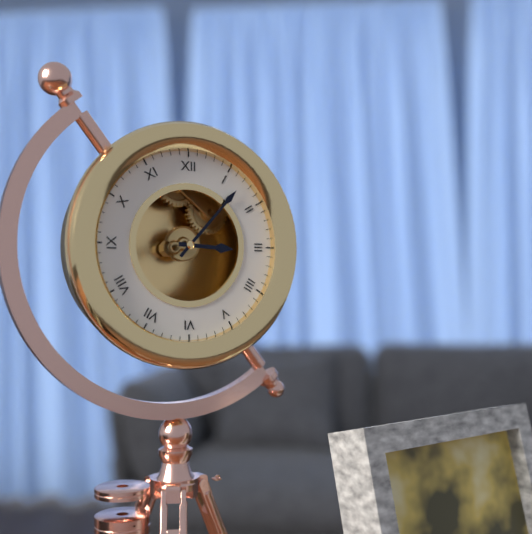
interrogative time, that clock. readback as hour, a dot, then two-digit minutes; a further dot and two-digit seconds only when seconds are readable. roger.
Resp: 3.07
